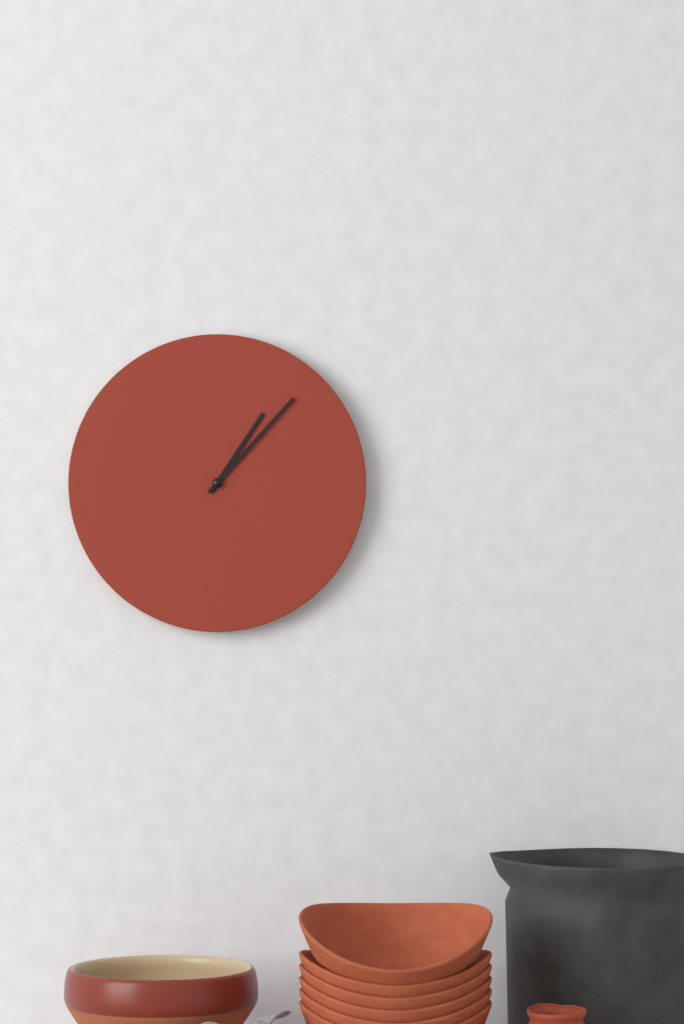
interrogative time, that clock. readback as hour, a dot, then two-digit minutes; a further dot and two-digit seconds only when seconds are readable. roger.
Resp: 1.07
